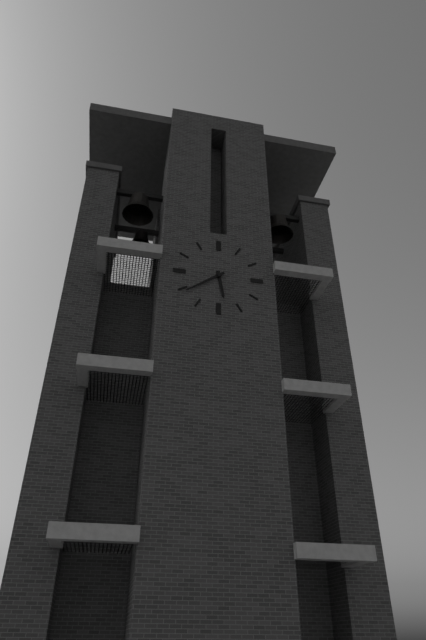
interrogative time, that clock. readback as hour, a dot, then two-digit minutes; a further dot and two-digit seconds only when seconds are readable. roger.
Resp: 5.39
